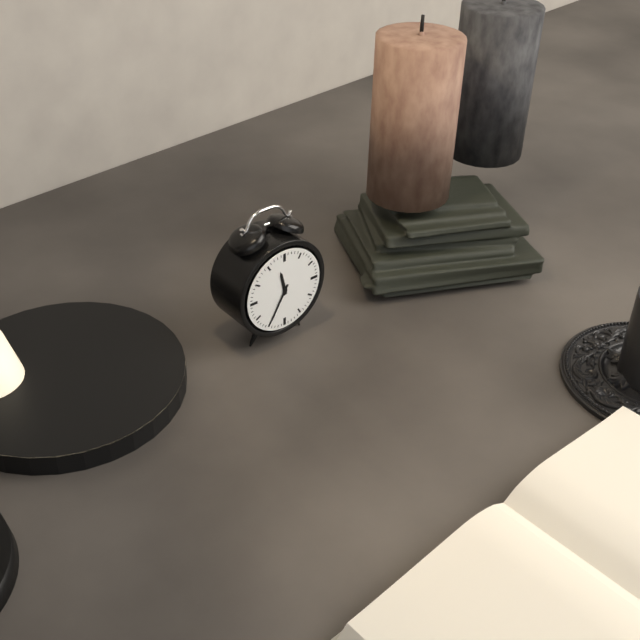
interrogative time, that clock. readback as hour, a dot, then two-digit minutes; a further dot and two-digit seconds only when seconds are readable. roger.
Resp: 11.35
